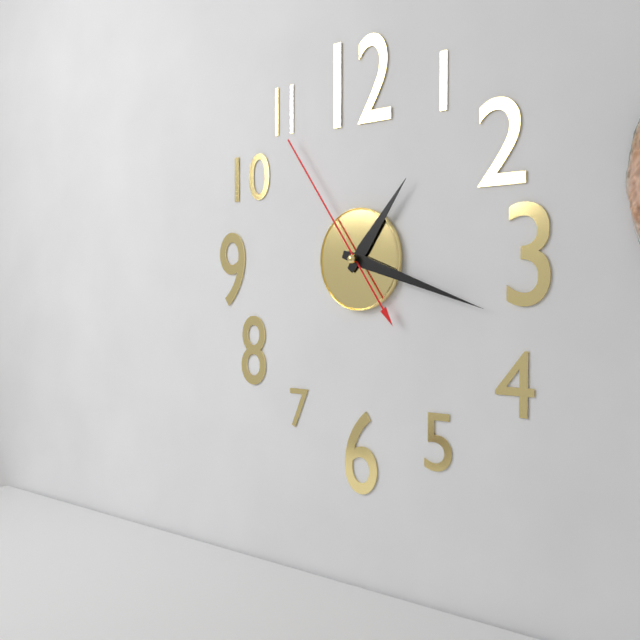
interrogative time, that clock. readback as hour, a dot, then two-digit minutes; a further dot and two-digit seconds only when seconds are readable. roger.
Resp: 1.18.54
